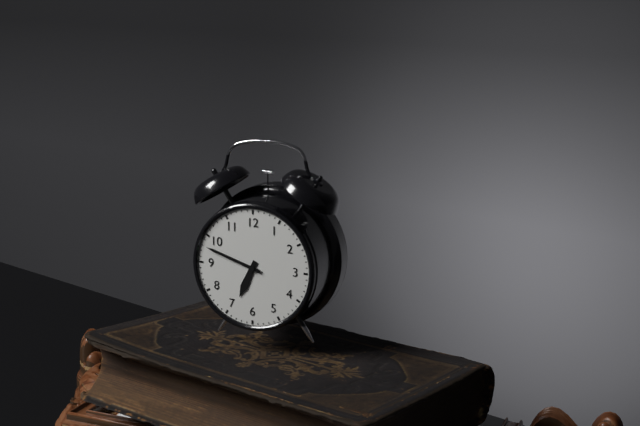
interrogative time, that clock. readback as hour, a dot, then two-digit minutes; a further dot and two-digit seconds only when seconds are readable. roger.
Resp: 6.48
